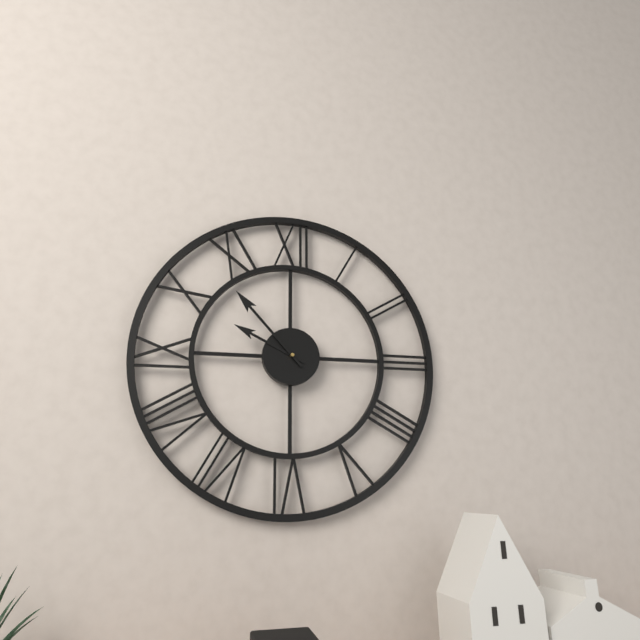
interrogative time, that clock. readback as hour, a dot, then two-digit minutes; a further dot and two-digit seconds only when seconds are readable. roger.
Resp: 9.53
